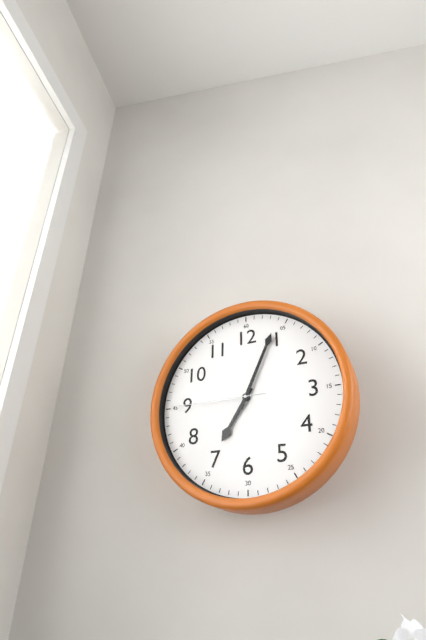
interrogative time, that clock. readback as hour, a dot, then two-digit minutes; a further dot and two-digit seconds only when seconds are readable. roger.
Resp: 7.04.45
